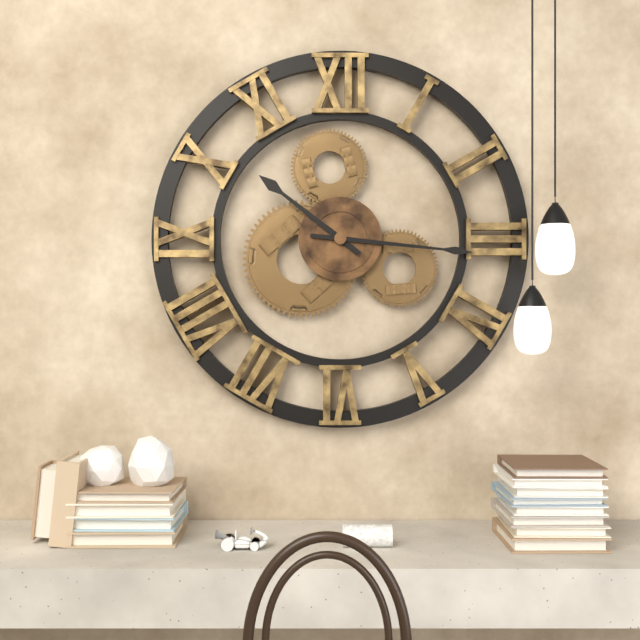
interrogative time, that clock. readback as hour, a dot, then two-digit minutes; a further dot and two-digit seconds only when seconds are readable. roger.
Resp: 10.16
